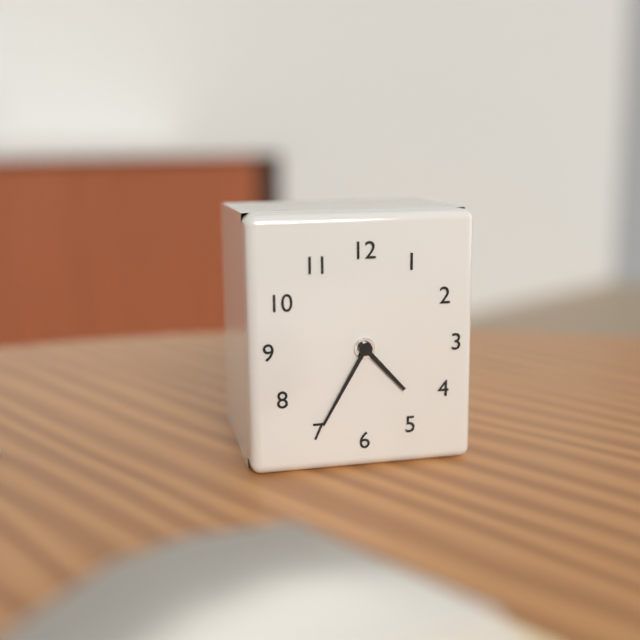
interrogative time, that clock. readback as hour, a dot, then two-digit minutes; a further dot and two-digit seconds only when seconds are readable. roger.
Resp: 4.35
